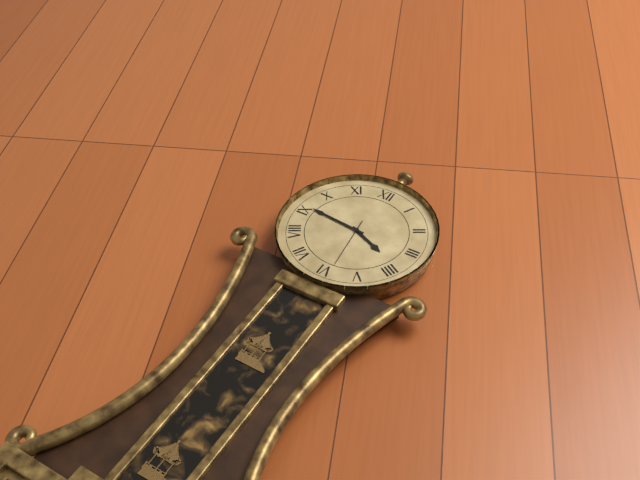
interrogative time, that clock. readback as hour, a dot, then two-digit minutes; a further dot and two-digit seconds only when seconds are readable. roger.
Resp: 3.46
